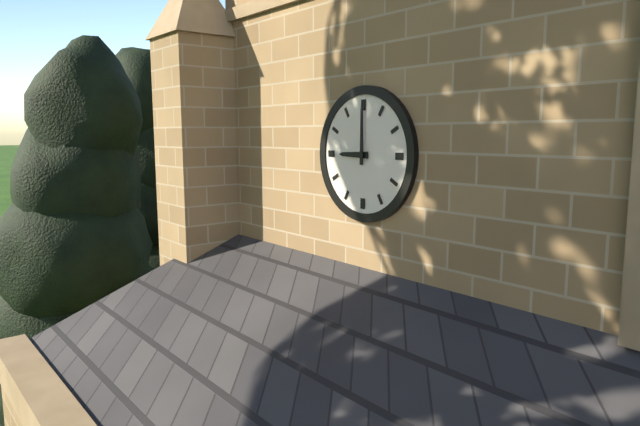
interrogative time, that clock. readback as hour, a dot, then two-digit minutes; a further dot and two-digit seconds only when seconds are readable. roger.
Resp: 9.00
